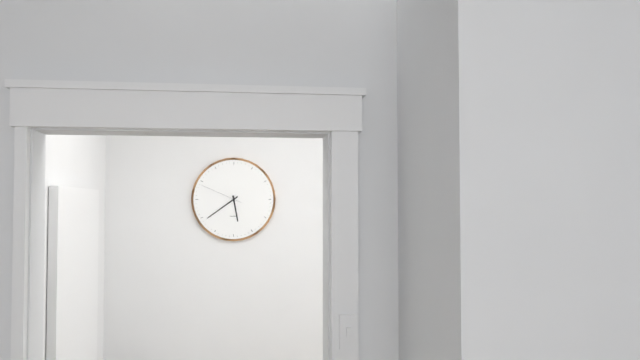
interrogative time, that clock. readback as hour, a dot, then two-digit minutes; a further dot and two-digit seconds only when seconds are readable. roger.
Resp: 5.39
